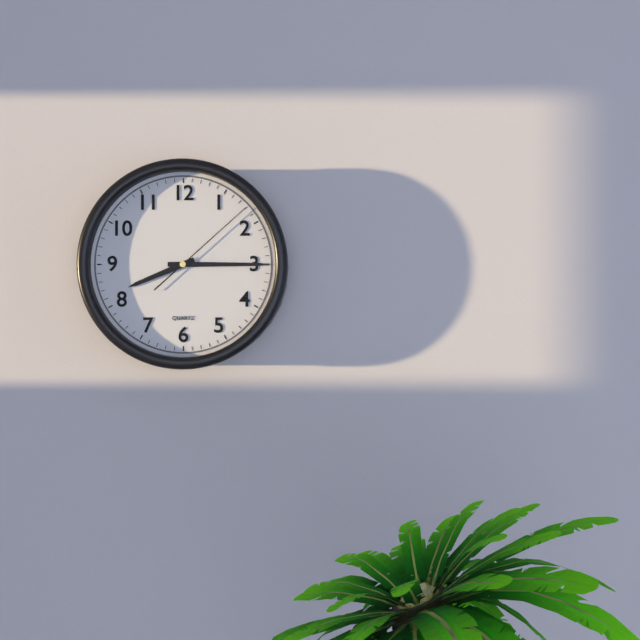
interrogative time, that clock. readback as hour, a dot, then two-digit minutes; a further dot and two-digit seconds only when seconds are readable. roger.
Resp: 8.15.08
